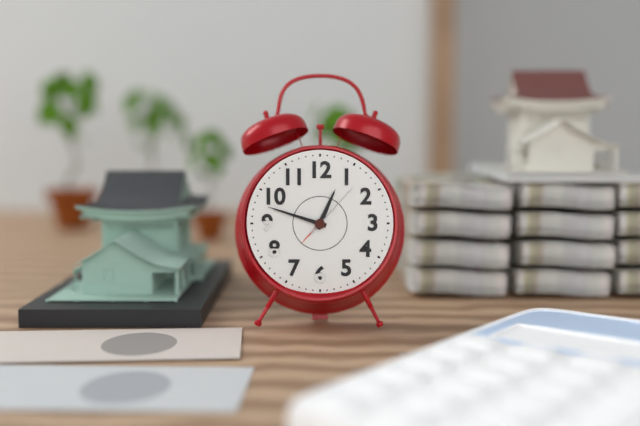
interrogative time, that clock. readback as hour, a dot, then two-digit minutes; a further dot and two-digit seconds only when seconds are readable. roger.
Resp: 12.48.07
